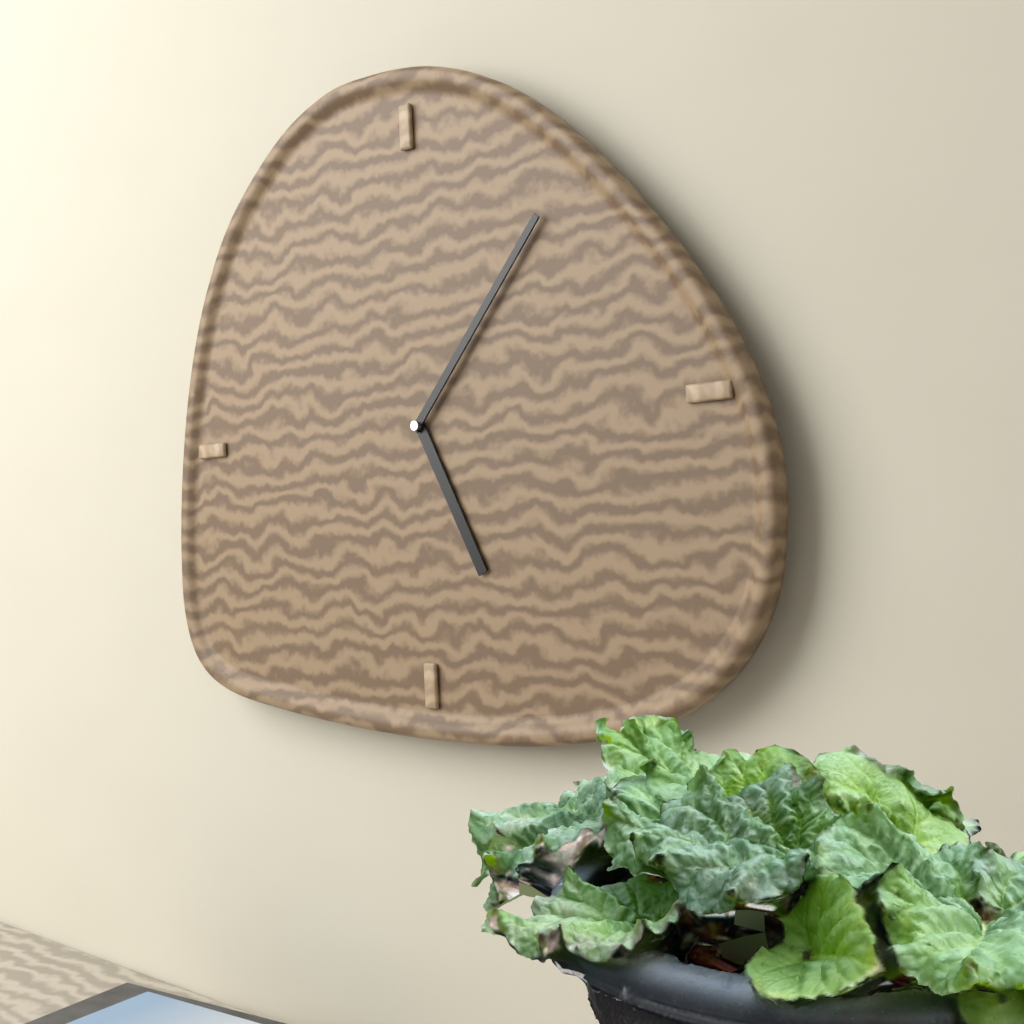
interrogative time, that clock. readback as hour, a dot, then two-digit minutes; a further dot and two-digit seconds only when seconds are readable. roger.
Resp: 5.07
